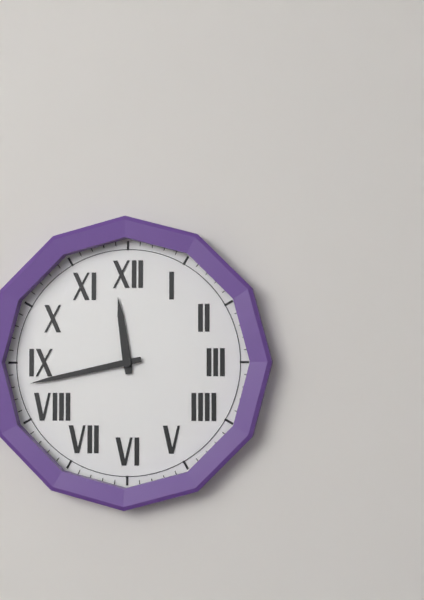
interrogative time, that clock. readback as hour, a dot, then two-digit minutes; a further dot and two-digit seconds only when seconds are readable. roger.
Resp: 11.43
